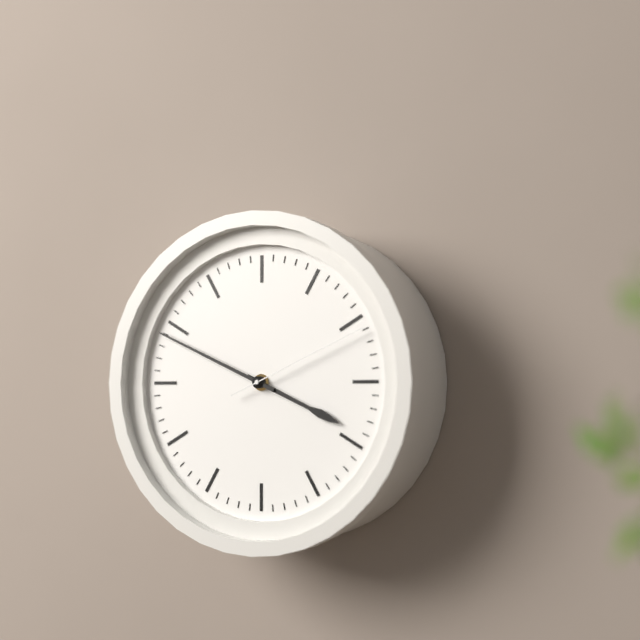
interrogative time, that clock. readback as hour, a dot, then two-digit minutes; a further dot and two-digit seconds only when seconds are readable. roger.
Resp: 3.49.11
